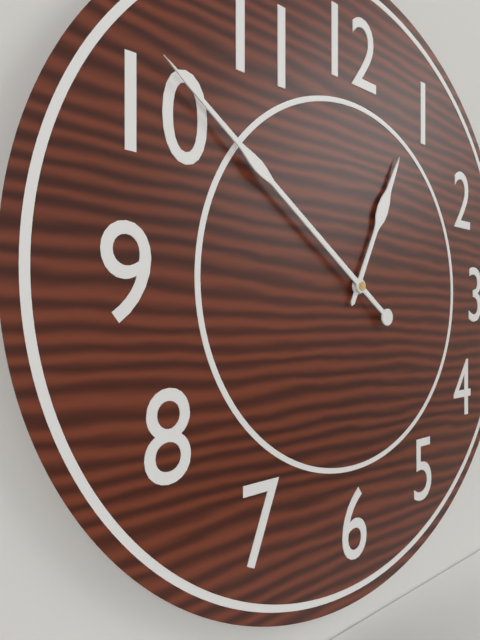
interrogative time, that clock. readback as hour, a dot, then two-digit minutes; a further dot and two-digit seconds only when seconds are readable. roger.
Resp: 12.51
